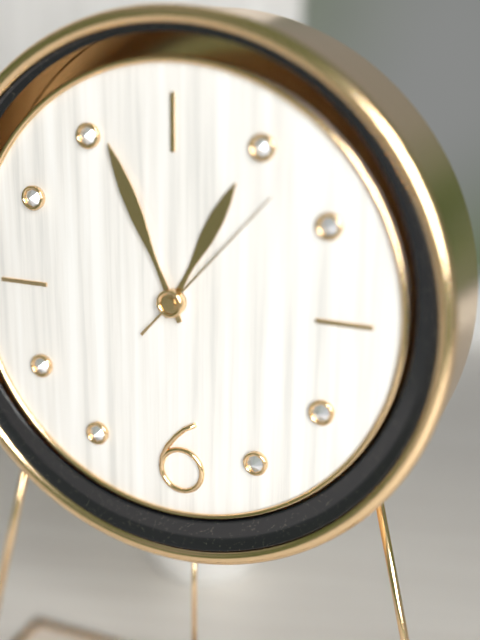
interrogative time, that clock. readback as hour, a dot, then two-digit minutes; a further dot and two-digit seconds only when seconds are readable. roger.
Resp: 12.56.07
